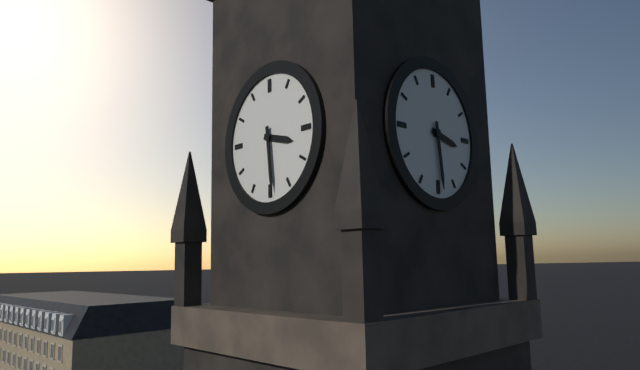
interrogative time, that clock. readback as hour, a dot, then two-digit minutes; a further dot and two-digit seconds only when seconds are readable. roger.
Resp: 3.29
